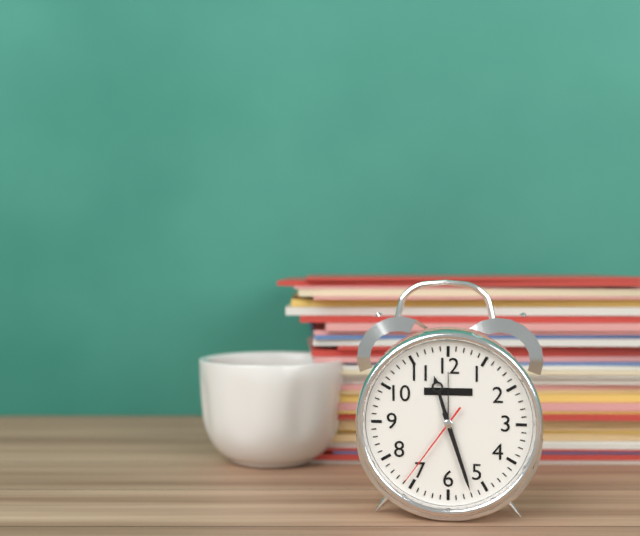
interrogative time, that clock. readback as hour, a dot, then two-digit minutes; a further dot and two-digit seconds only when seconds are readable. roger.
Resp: 11.27.36
